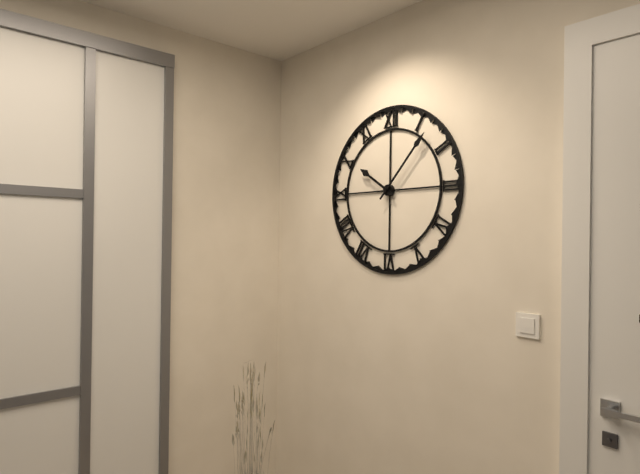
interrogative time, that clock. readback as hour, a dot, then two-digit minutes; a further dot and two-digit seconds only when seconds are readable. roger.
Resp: 10.07
